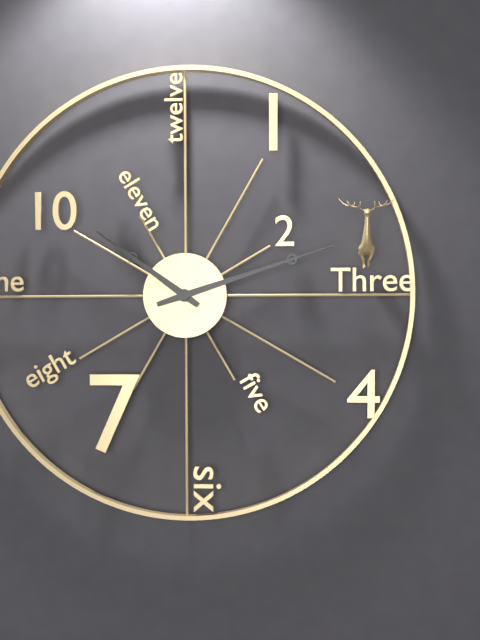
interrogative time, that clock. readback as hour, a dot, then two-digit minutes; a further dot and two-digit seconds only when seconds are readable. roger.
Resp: 10.12
